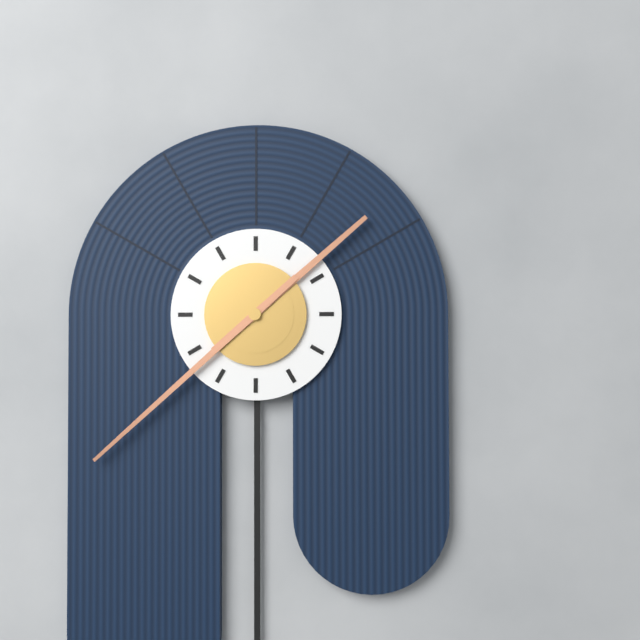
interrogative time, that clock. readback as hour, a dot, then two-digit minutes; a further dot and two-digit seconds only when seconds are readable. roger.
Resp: 1.38
